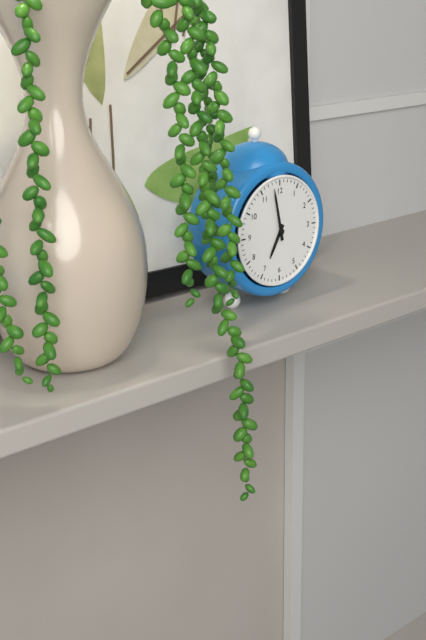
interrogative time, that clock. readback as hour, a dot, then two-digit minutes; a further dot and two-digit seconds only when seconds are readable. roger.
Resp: 6.58
